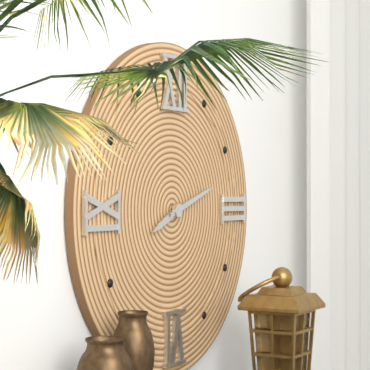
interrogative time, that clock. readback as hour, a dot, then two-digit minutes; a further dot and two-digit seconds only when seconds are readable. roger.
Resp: 8.12
